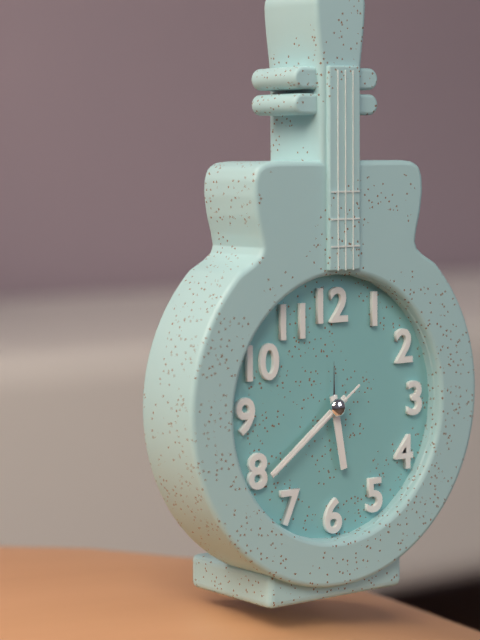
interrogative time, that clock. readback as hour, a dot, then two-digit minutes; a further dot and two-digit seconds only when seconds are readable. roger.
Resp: 5.39.39
